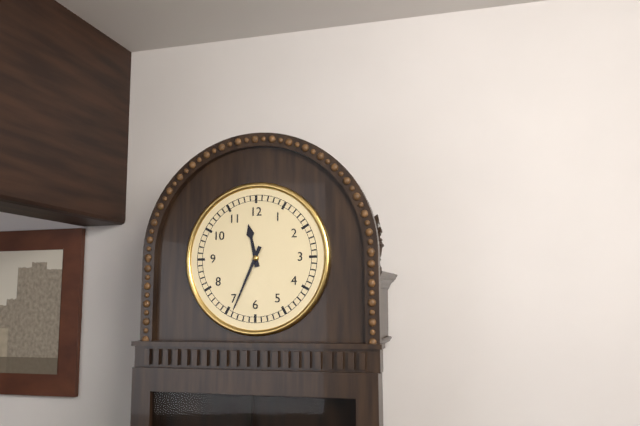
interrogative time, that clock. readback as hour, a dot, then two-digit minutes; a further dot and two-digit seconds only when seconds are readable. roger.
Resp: 11.34
